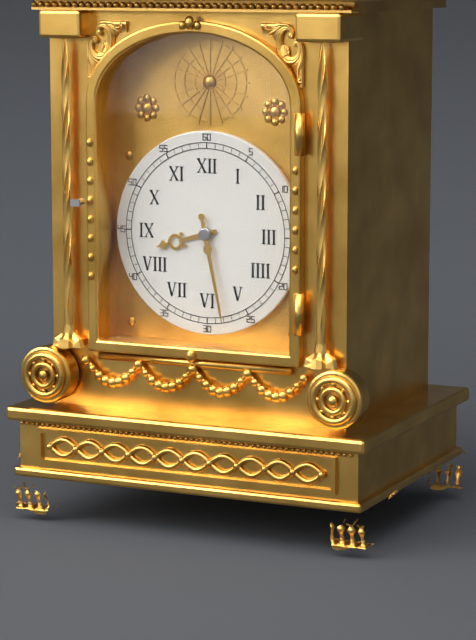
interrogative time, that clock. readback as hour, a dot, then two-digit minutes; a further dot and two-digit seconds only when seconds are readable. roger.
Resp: 8.28
